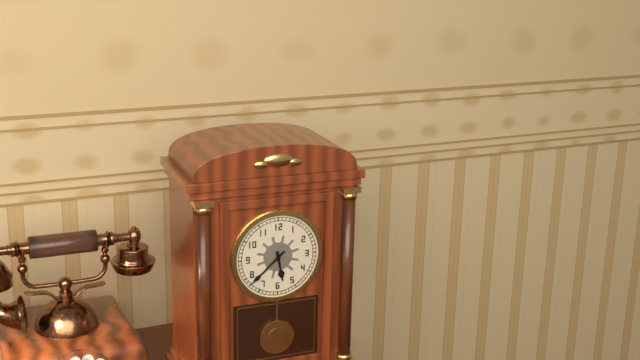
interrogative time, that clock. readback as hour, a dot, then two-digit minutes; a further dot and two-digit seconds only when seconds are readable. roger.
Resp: 5.38
